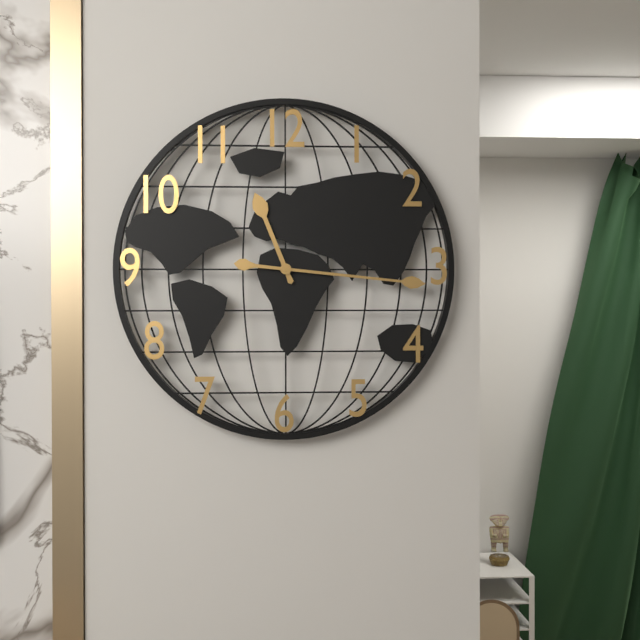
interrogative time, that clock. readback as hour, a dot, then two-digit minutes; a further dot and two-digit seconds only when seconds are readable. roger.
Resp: 11.16
